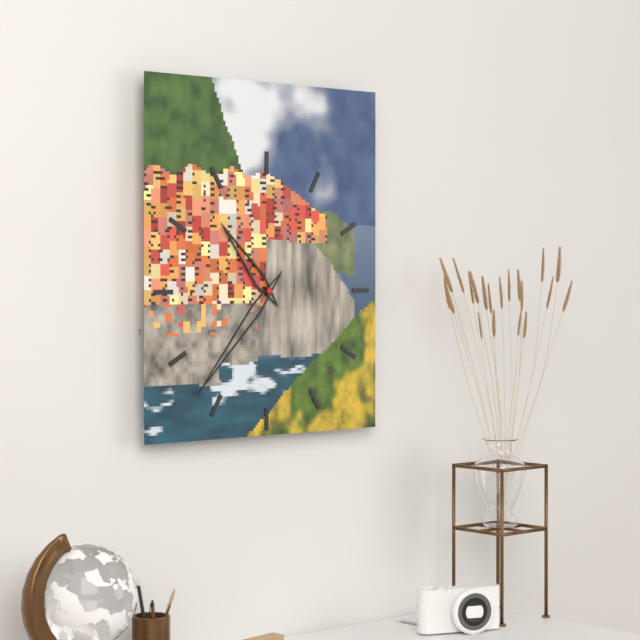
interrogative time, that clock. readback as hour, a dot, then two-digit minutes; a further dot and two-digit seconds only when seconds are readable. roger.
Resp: 10.37
